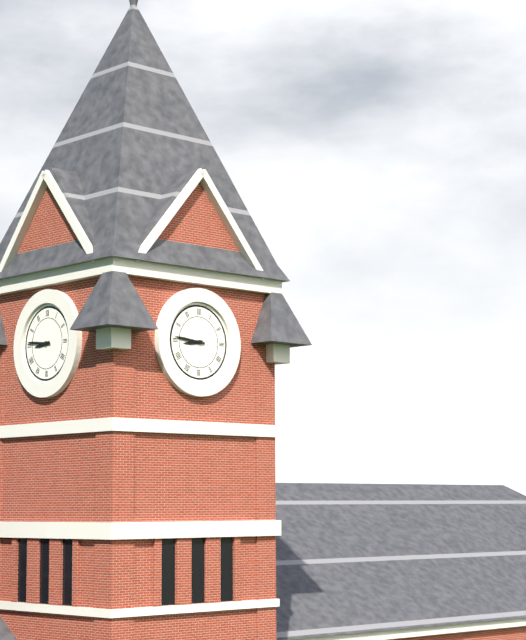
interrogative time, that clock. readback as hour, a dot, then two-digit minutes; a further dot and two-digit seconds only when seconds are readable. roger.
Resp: 8.46
